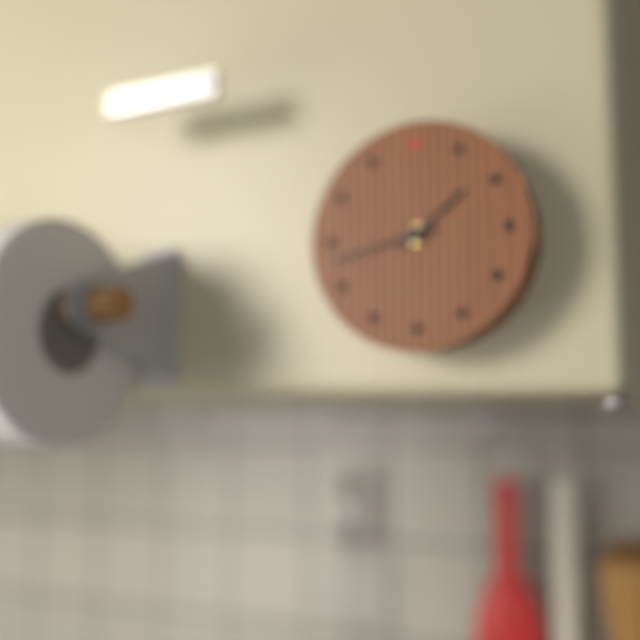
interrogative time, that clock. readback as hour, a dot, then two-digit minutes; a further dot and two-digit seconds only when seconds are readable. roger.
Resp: 1.43
